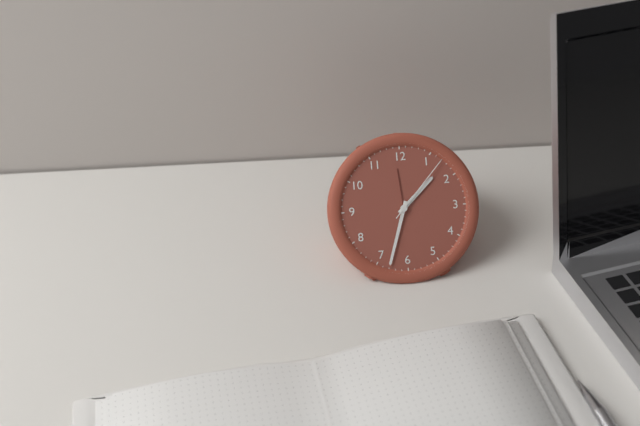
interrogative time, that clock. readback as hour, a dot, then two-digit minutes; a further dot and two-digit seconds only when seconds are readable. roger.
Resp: 1.33.07
